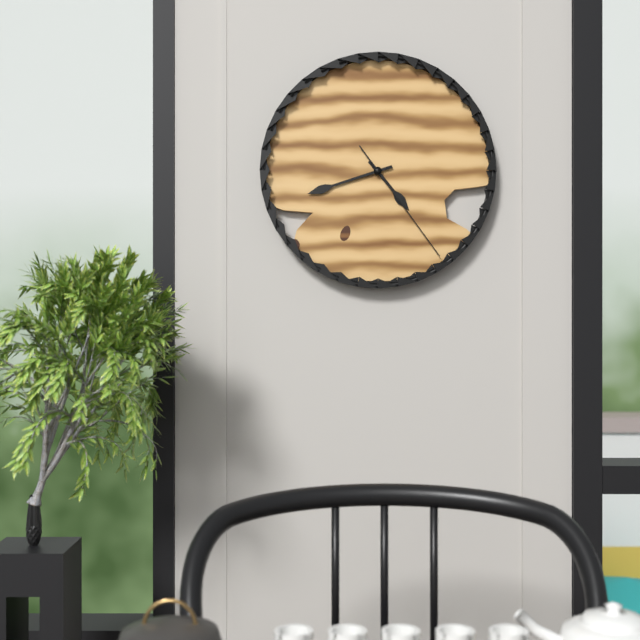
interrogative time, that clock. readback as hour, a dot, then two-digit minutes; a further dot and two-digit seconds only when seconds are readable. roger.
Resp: 4.42.24
